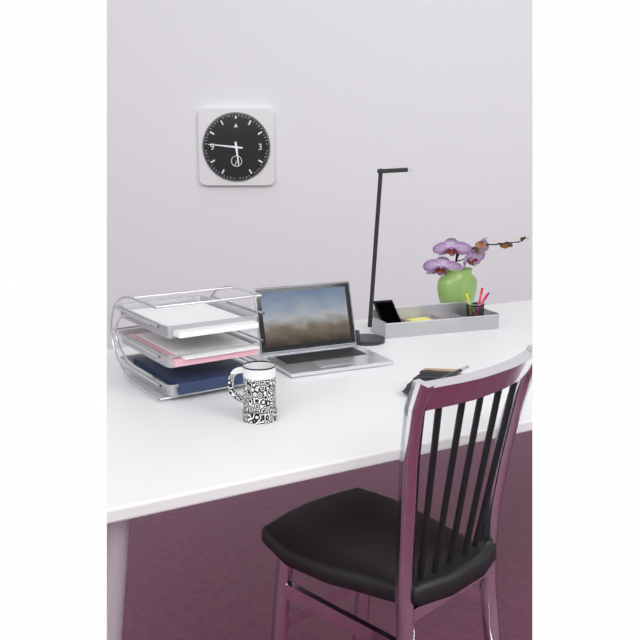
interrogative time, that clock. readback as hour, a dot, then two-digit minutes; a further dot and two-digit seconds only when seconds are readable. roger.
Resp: 5.46
